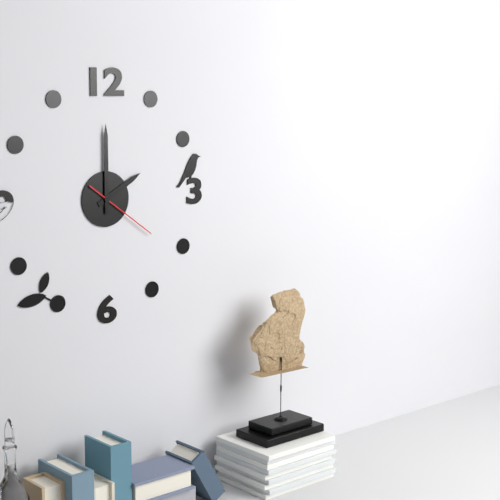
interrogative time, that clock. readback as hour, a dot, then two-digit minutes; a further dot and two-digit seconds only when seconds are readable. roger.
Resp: 2.00.21
